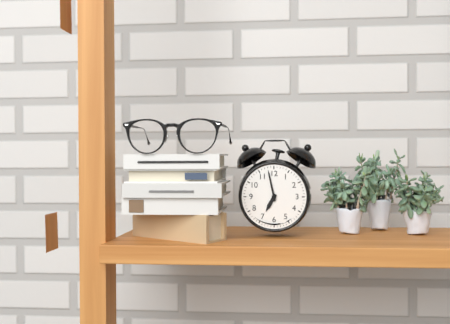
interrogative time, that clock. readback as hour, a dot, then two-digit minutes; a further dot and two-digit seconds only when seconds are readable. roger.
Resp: 6.58
